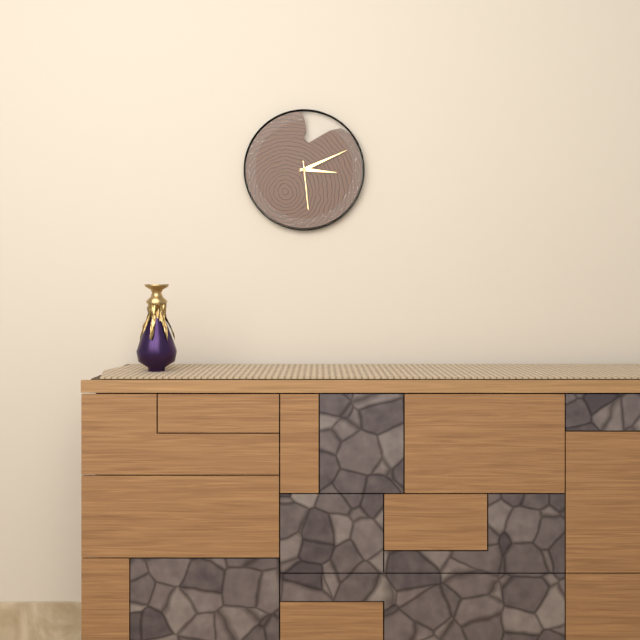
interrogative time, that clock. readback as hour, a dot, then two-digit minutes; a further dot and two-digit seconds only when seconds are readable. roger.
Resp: 3.11.29
